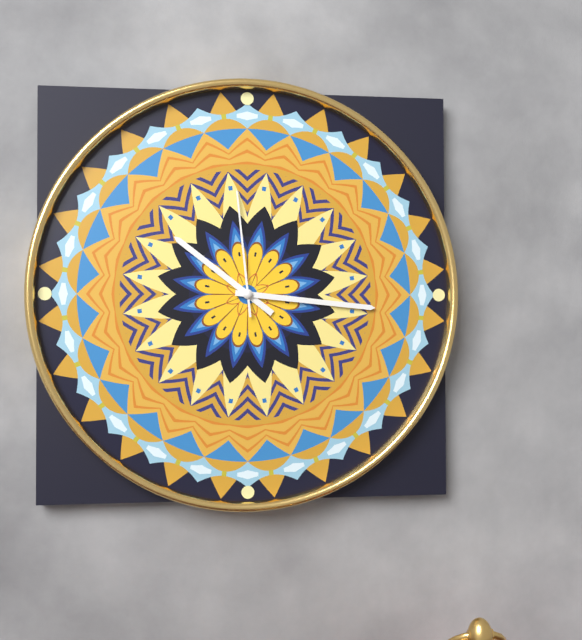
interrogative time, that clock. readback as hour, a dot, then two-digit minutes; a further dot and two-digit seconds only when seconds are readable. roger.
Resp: 10.16.59
